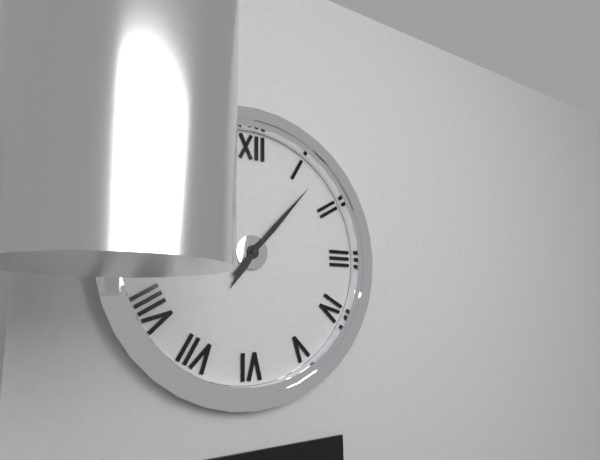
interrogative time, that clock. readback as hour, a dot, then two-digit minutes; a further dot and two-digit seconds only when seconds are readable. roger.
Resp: 7.07
